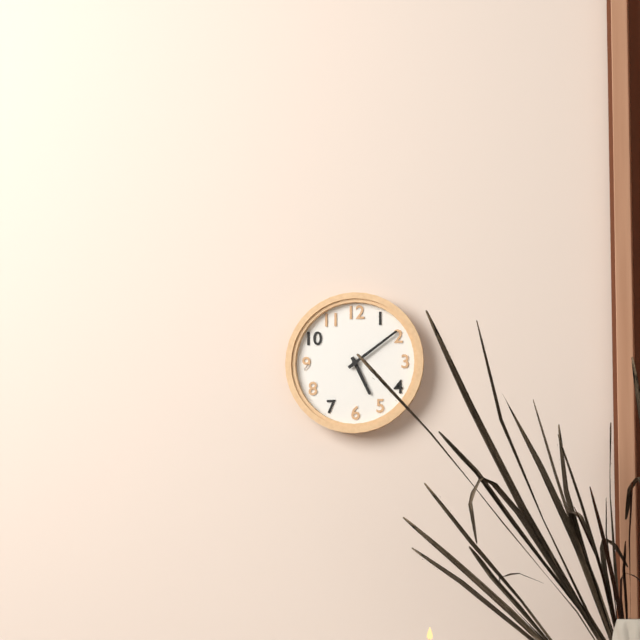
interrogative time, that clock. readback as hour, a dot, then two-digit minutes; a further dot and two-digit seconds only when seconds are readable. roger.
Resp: 5.09
